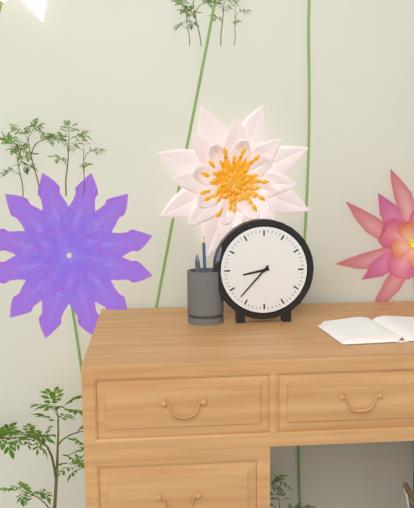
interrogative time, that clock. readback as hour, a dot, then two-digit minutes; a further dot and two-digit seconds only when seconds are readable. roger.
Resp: 8.37
